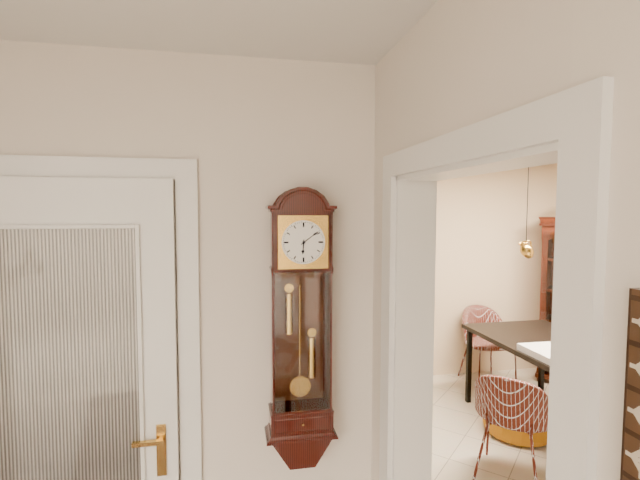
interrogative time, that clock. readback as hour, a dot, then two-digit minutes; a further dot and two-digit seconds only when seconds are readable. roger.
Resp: 6.09
